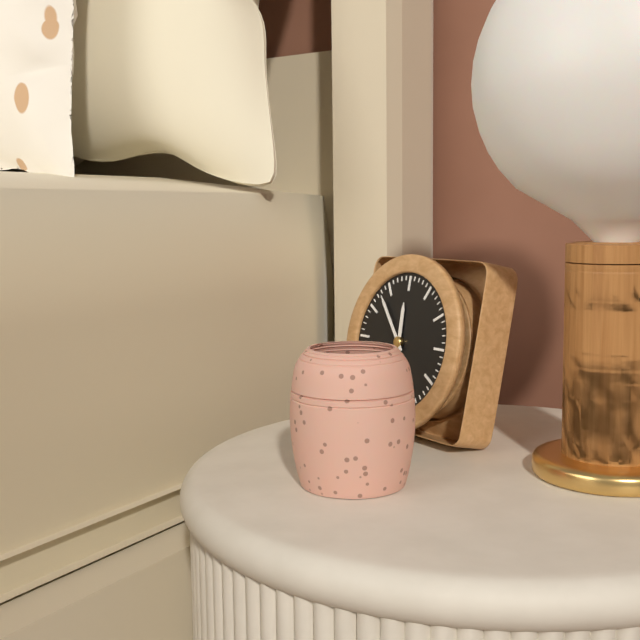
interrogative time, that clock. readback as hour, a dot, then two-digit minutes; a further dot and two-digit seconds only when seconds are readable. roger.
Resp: 11.53
